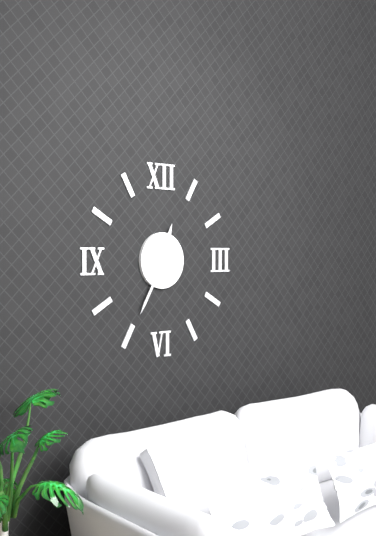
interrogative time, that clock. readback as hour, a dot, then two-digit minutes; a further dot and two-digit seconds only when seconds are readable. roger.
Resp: 12.35
